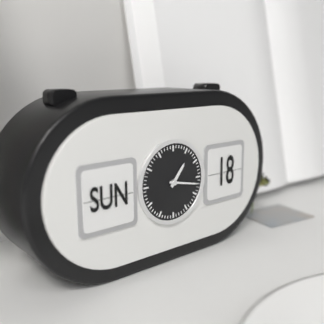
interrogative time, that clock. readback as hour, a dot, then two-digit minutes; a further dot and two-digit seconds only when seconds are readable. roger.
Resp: 1.17
